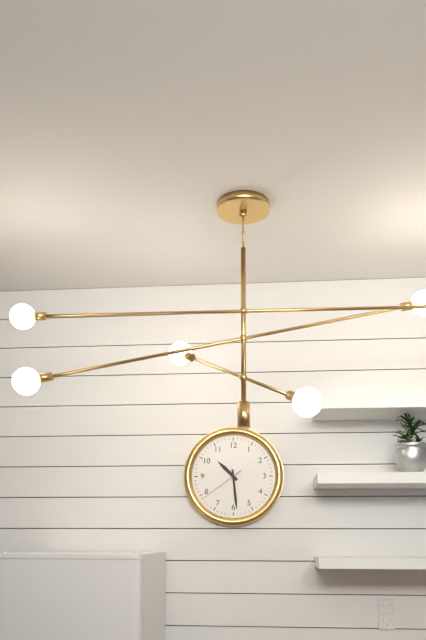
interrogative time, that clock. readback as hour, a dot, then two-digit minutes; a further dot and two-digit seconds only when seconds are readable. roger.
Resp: 10.29
